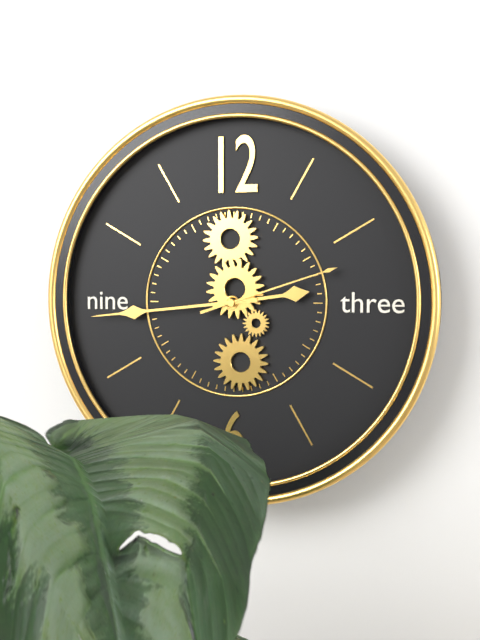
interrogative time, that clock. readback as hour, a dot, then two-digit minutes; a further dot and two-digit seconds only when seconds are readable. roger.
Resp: 2.44.12
